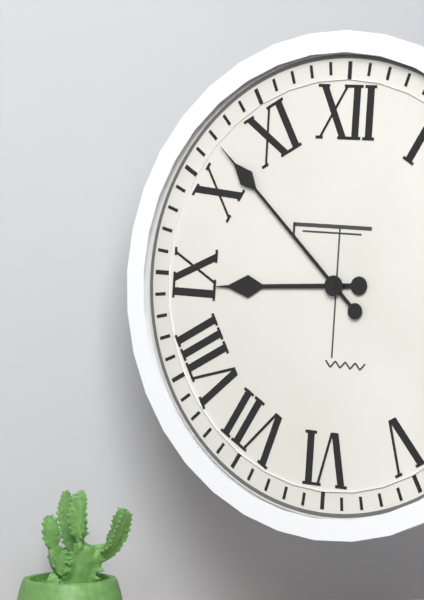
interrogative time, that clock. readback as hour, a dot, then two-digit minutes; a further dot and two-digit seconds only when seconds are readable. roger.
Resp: 8.52
